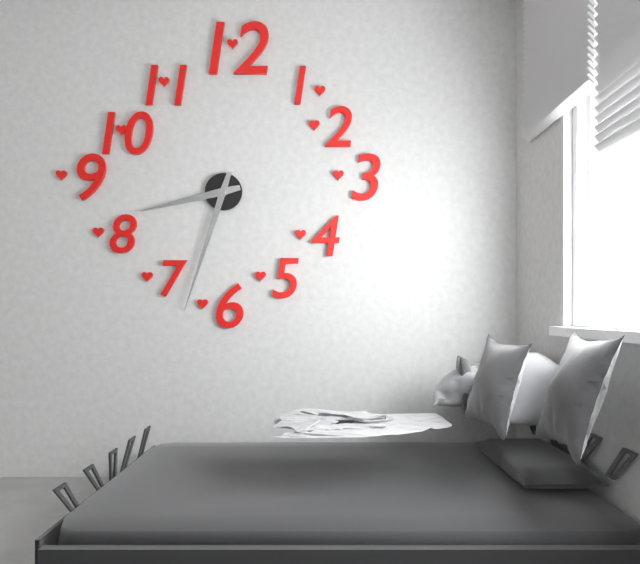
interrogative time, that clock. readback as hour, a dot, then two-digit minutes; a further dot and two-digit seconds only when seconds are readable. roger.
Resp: 8.33
